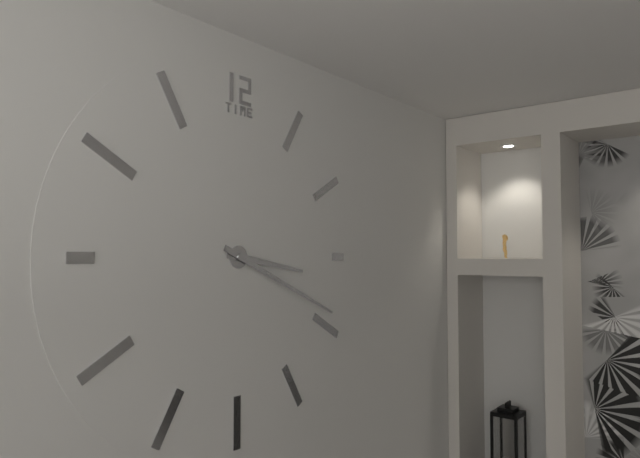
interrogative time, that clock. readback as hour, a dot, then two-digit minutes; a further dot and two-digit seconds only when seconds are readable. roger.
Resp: 3.19
